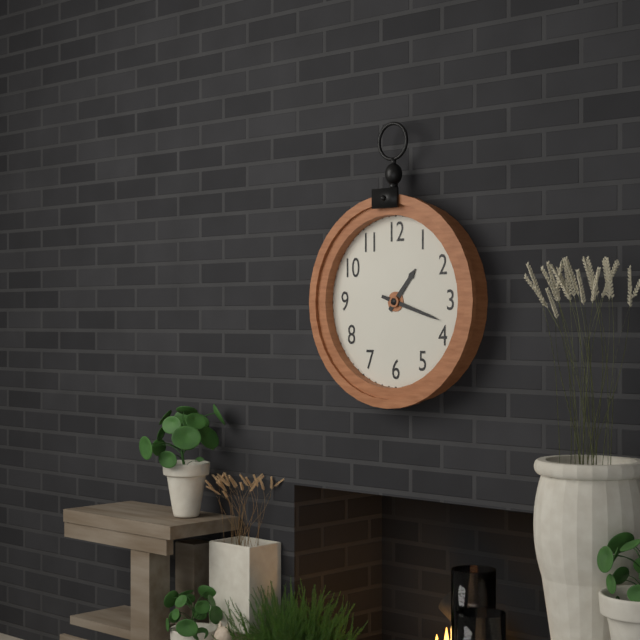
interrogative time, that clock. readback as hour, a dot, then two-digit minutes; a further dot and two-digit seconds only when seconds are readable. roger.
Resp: 1.18
